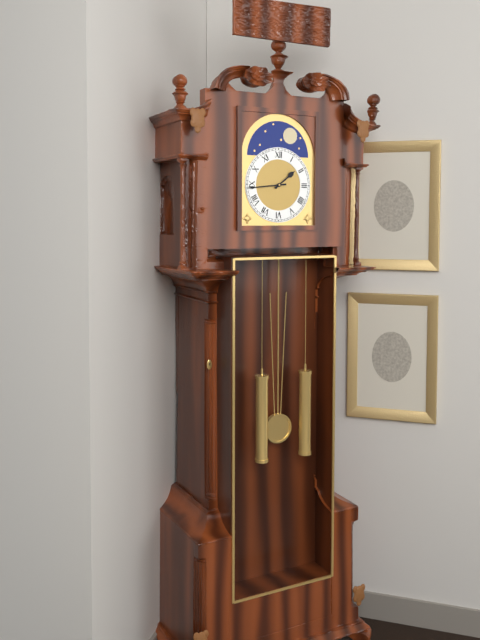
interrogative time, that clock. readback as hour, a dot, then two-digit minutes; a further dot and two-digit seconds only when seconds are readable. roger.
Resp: 1.44
